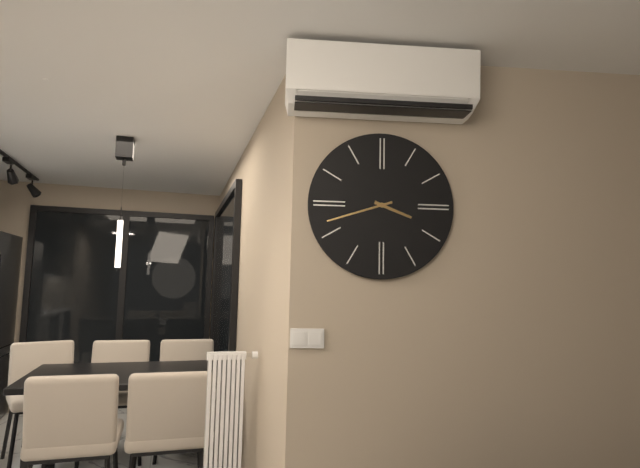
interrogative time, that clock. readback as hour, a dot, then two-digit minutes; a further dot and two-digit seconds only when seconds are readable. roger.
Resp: 3.42
